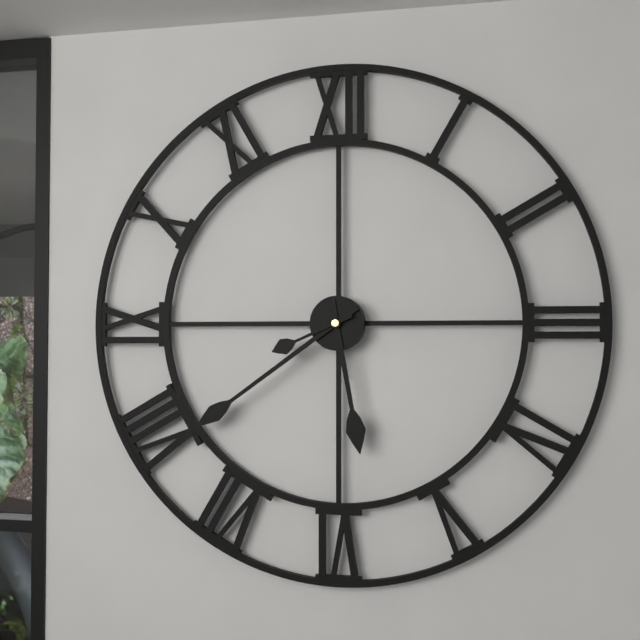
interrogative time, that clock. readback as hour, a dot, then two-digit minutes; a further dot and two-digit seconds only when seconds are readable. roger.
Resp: 5.39.41
